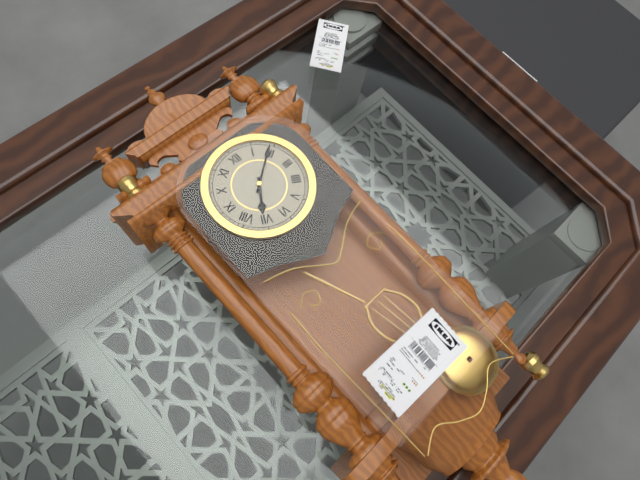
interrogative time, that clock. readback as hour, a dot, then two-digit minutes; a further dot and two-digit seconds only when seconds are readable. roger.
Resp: 7.09
